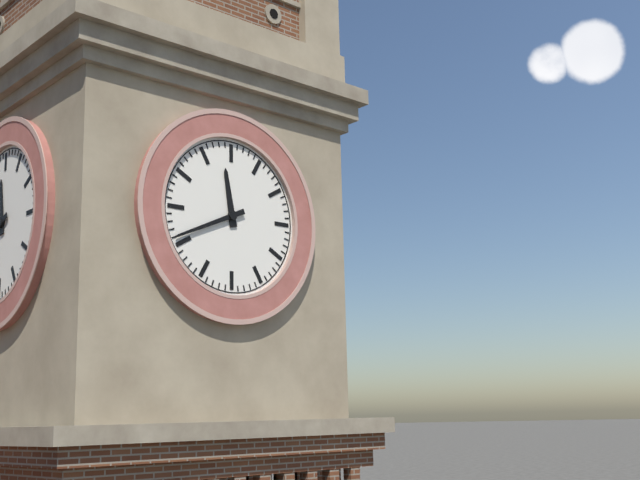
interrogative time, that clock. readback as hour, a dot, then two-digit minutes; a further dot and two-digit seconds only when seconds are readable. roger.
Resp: 11.41
